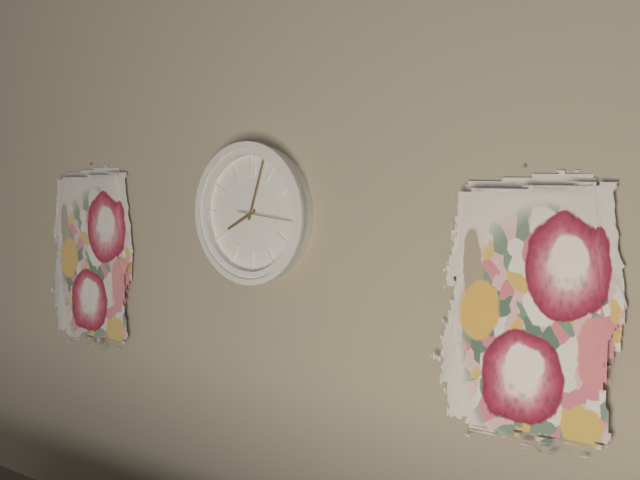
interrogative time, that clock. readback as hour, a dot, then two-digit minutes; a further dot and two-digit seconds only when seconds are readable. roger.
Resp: 8.03.16
